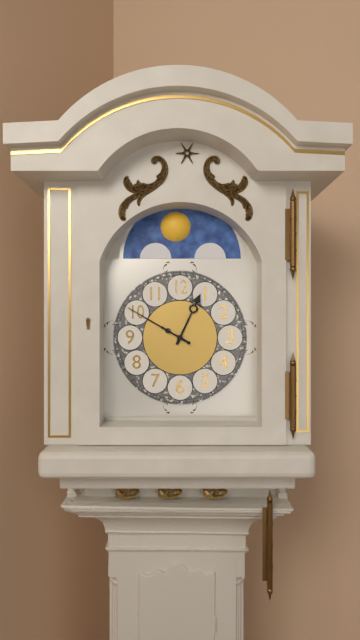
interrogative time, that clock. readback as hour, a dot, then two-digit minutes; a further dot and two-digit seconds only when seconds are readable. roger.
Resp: 12.50
